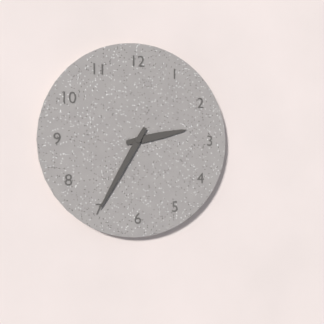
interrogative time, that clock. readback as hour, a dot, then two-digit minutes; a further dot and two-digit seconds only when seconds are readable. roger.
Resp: 2.35
